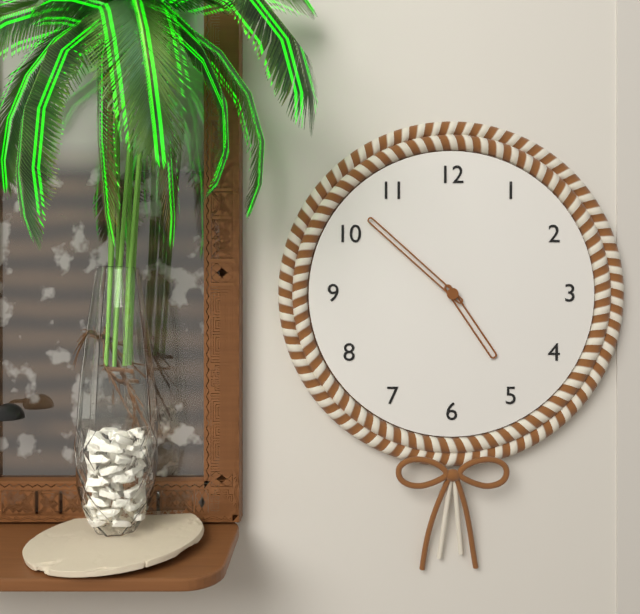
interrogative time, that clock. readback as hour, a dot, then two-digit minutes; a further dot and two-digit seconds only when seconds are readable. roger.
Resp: 4.52
